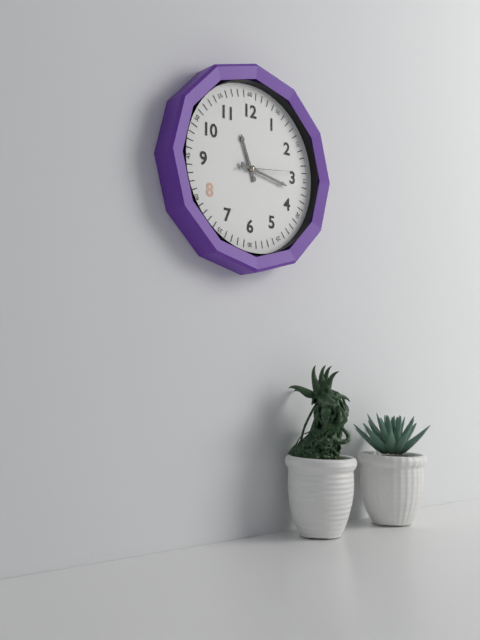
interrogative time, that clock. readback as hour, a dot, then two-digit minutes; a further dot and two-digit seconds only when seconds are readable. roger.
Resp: 11.17.14
